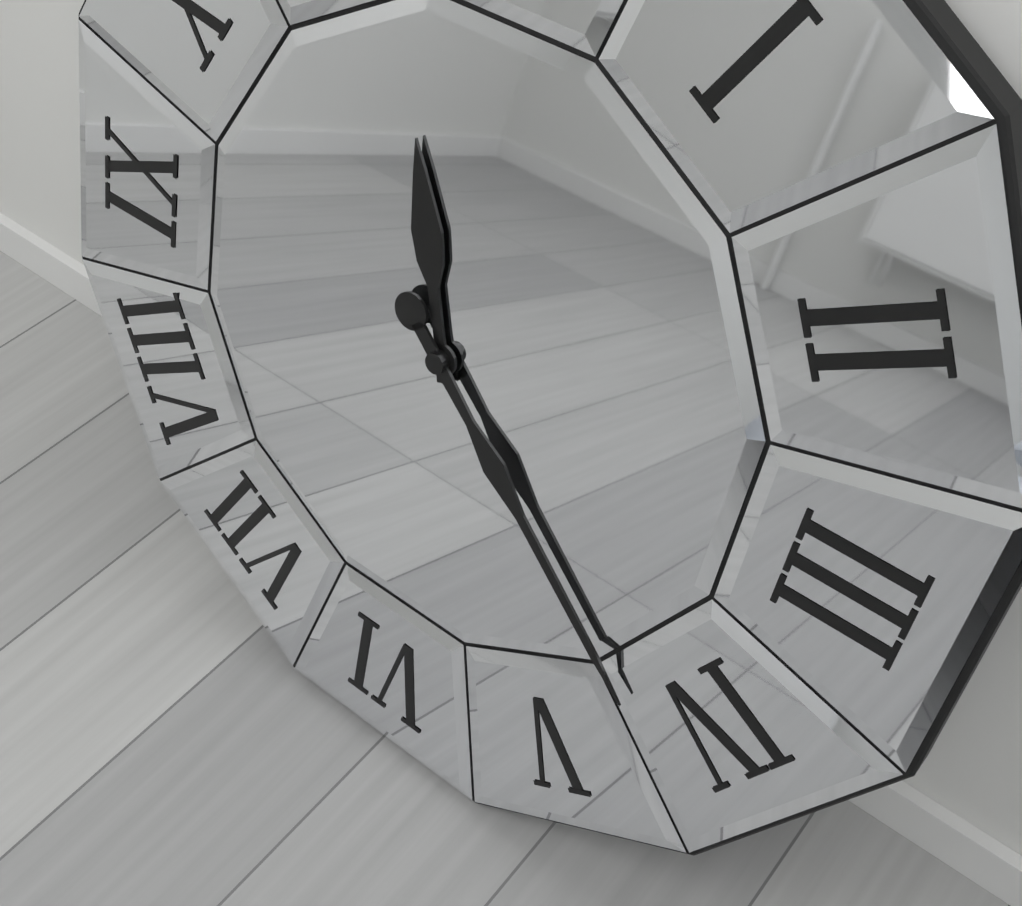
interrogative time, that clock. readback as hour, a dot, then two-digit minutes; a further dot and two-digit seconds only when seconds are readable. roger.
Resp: 11.22
